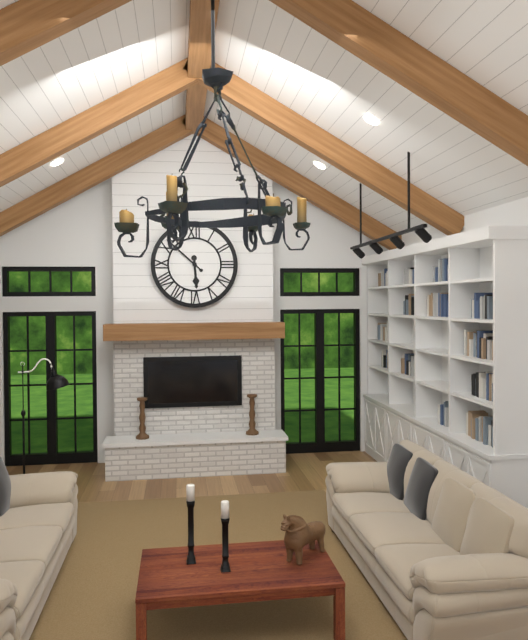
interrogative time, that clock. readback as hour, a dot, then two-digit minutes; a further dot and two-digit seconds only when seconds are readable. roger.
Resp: 5.52
